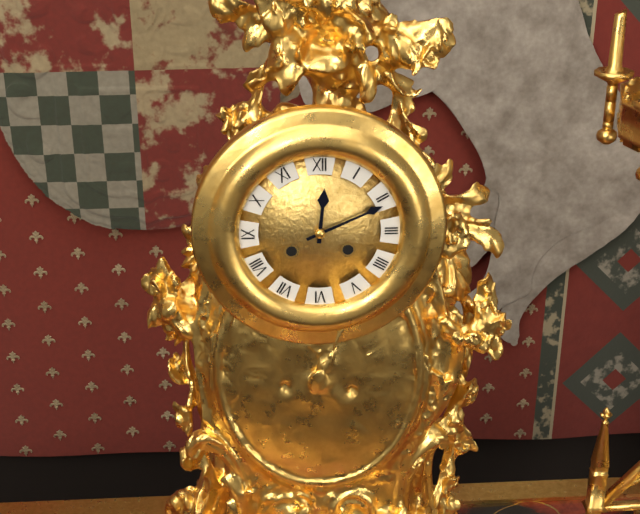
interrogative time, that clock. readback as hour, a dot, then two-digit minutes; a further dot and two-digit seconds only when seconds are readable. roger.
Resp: 12.11
